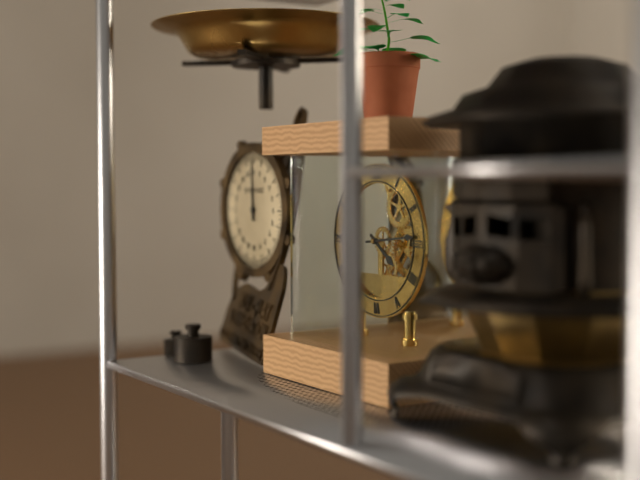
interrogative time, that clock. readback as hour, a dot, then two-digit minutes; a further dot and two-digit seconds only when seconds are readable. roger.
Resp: 4.14
